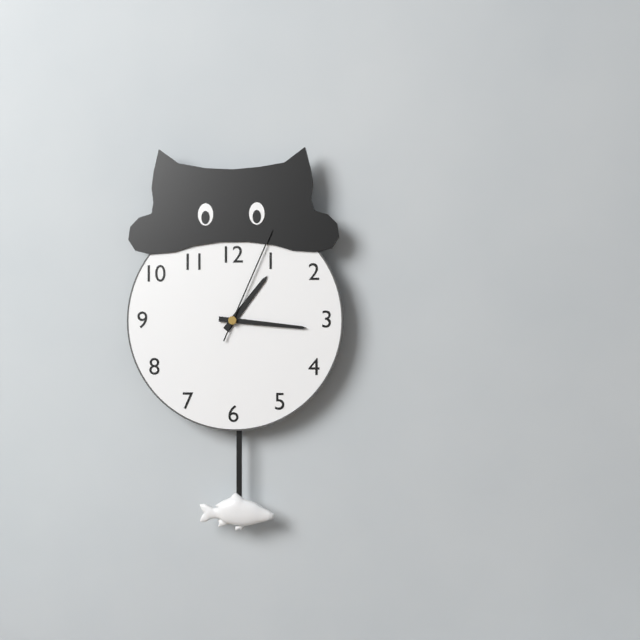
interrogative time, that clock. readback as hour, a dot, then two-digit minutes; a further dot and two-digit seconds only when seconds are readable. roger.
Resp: 1.16.04
